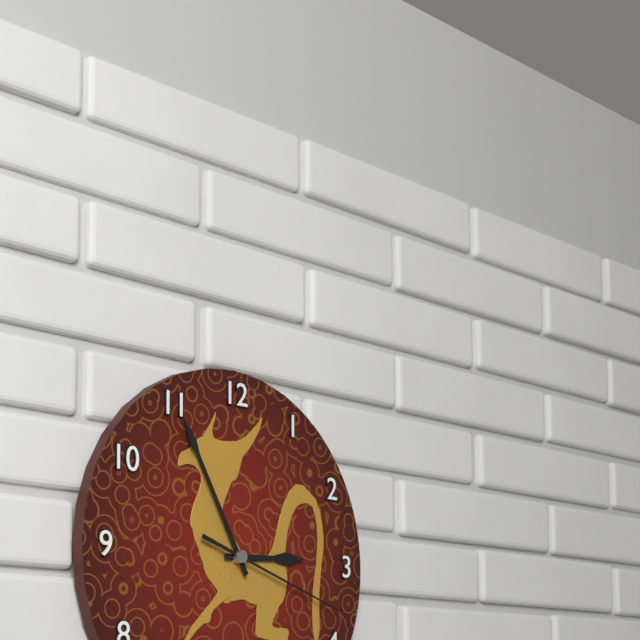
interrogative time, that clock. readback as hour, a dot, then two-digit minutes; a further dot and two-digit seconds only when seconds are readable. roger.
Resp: 2.55.18
